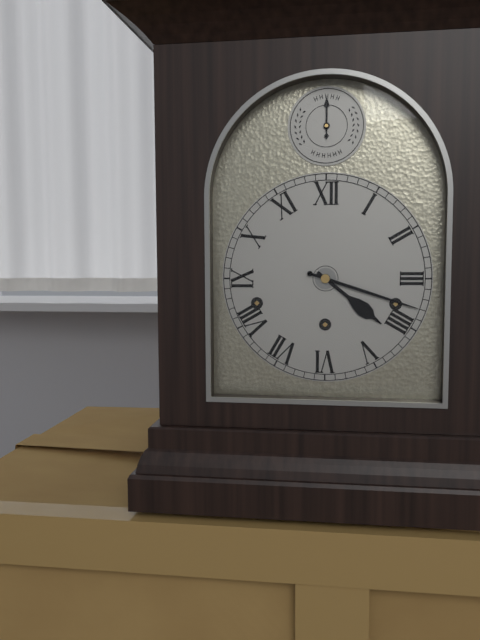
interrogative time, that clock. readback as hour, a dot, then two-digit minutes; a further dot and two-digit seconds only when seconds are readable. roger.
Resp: 4.18
